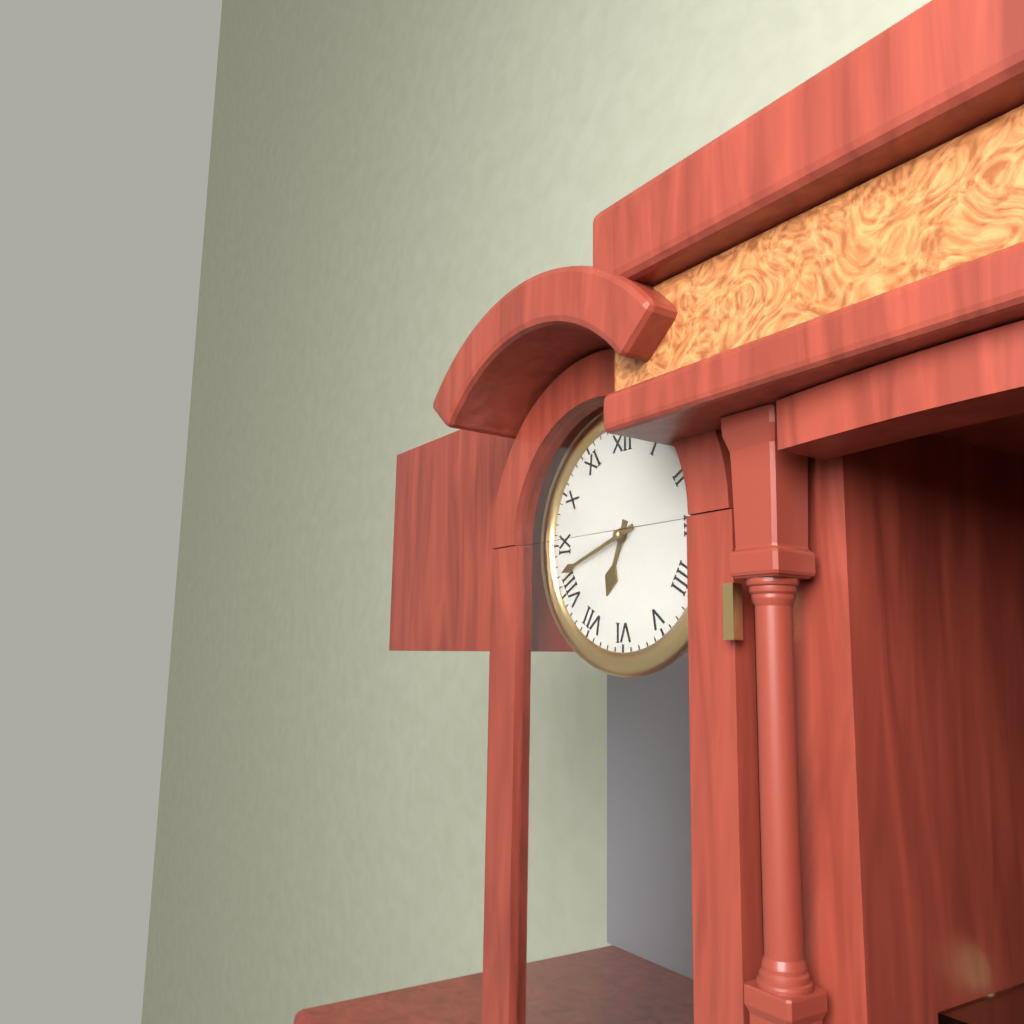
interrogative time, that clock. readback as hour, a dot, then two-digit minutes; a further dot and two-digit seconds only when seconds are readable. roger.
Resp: 6.42
